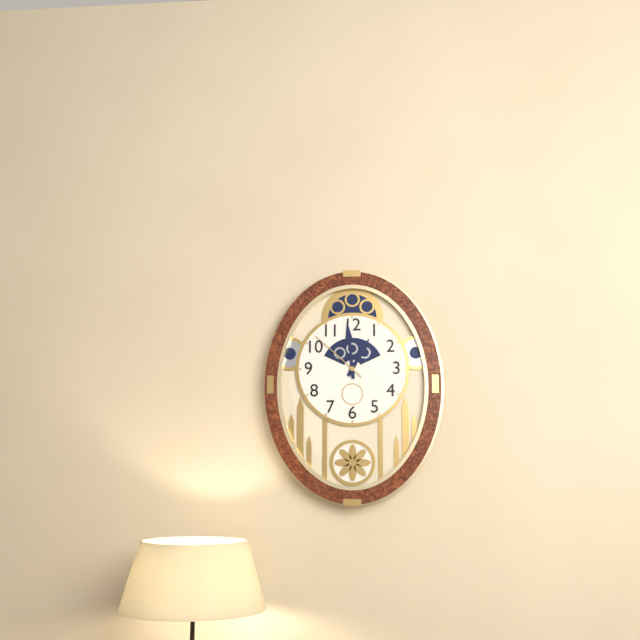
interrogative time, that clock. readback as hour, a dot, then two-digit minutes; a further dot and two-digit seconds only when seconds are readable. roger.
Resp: 12.59.52
